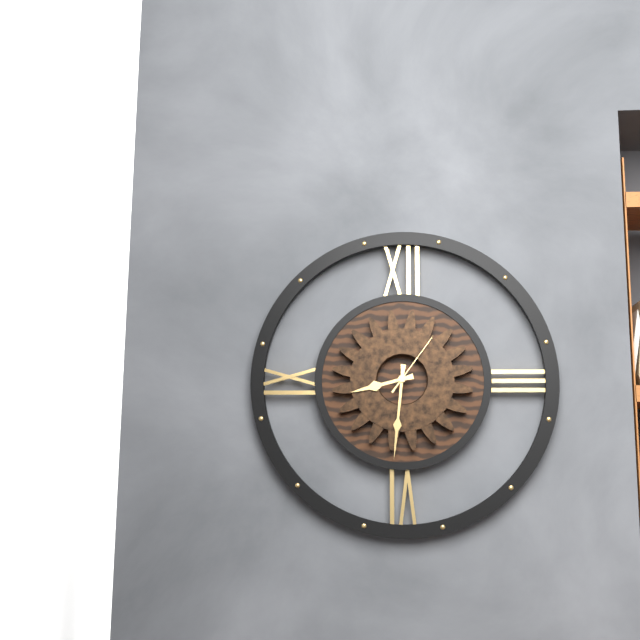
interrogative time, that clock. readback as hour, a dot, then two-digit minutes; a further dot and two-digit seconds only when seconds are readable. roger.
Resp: 8.31.06
